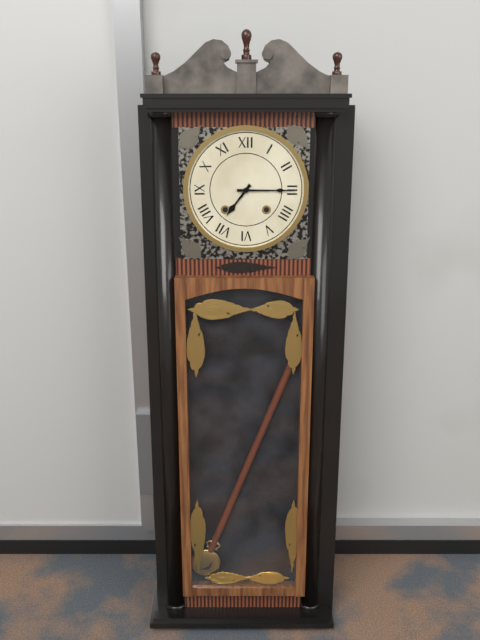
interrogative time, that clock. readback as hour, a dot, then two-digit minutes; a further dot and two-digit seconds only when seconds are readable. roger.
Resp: 7.15
